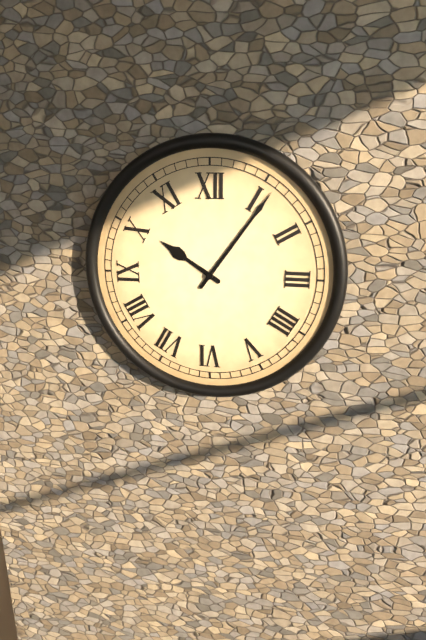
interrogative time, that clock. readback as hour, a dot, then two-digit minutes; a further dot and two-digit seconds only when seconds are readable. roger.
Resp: 10.06
